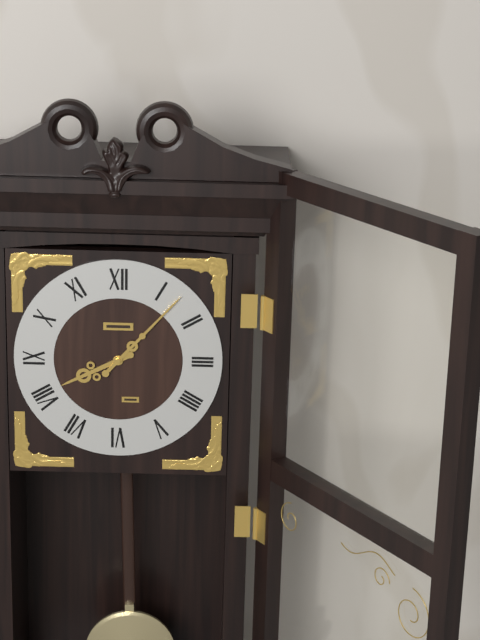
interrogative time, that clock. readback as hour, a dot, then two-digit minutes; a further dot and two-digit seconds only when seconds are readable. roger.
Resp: 8.07
